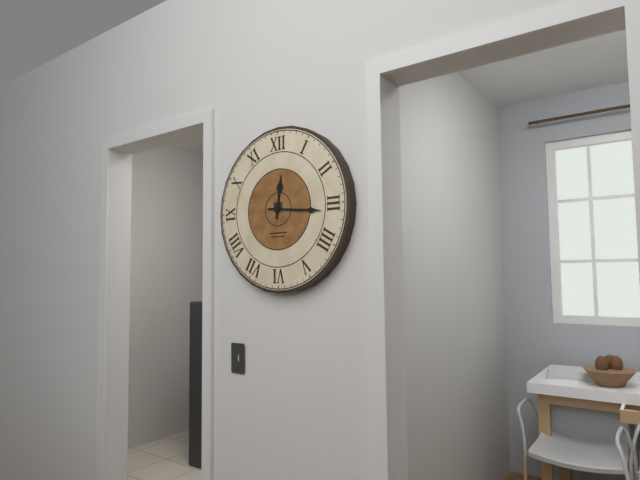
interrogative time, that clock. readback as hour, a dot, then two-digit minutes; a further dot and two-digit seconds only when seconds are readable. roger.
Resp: 12.16
